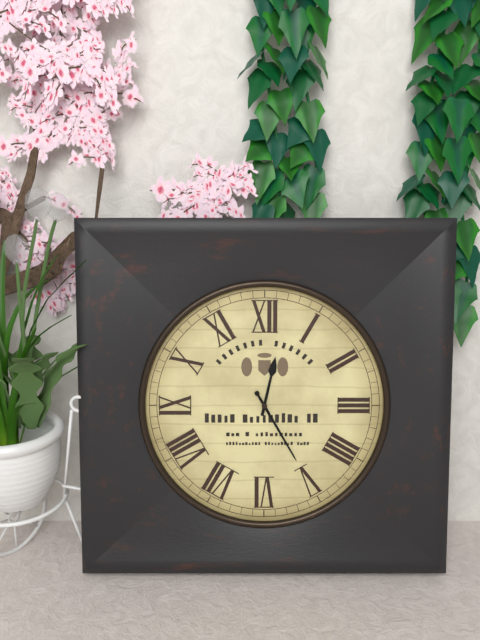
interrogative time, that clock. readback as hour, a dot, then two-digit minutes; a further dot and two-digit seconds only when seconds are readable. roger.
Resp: 12.25
